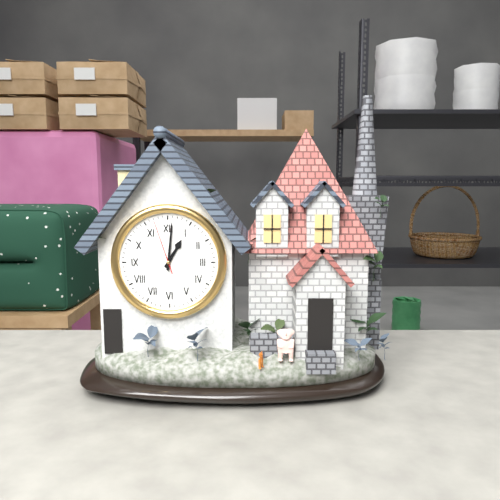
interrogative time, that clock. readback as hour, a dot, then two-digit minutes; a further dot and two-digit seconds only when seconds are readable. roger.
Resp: 1.01.57
